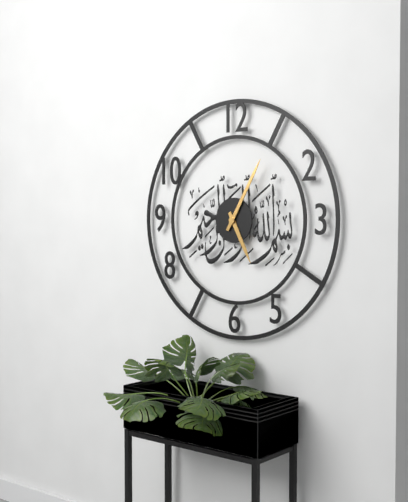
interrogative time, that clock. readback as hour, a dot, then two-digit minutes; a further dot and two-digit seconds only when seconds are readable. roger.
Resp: 5.05
